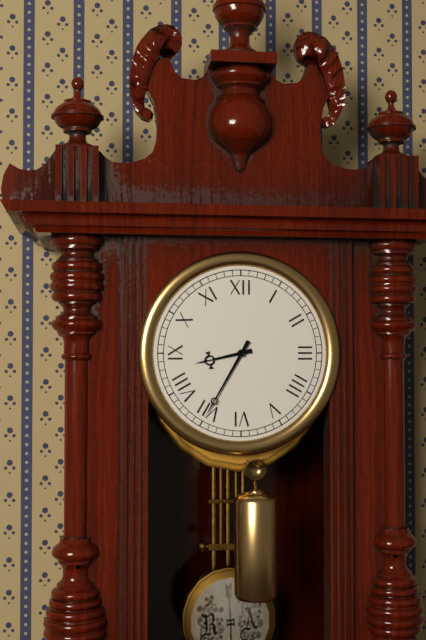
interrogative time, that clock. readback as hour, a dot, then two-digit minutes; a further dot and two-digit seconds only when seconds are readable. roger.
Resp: 8.35
